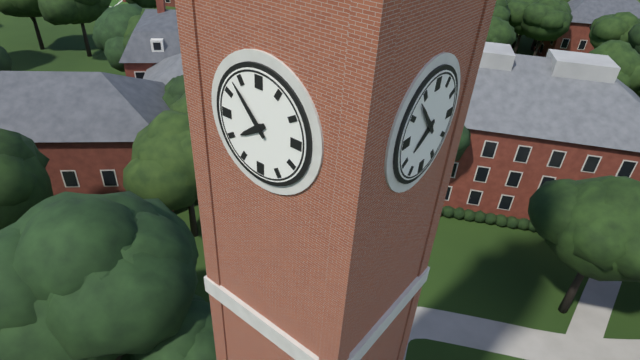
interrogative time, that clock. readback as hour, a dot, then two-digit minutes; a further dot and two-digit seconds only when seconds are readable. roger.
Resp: 7.53
